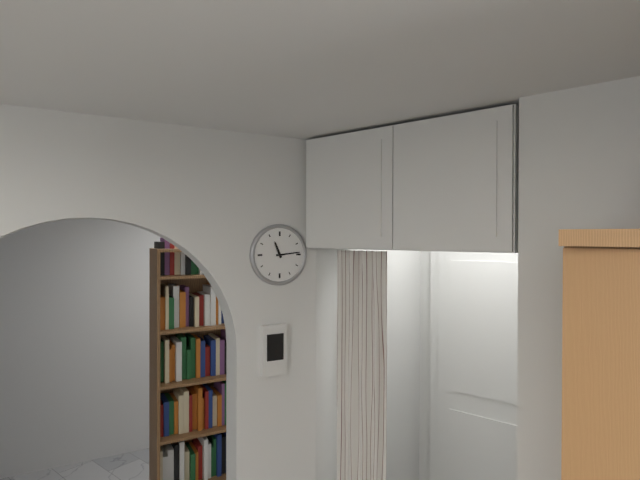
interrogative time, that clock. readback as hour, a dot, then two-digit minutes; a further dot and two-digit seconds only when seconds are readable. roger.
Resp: 11.14
